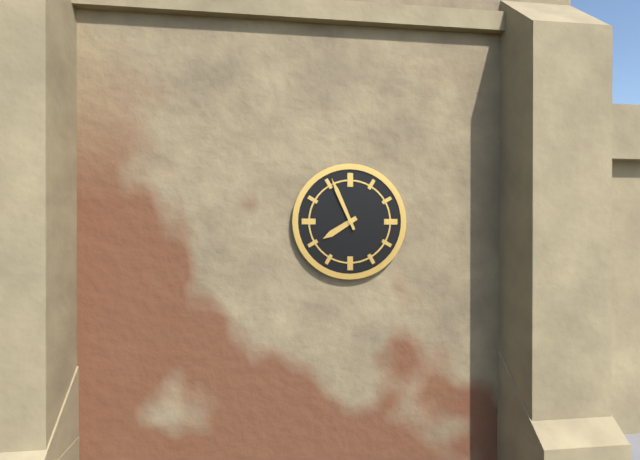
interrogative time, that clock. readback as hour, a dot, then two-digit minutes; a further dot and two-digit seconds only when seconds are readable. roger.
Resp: 7.56
